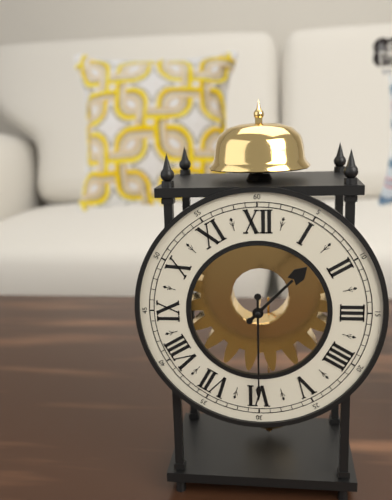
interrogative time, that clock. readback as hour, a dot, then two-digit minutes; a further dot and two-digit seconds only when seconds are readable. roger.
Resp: 1.30
